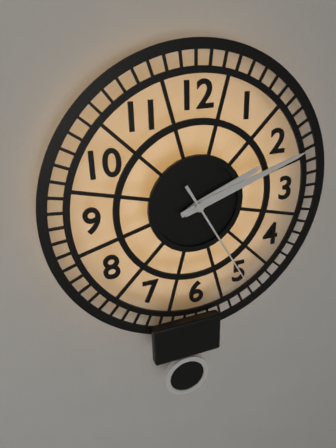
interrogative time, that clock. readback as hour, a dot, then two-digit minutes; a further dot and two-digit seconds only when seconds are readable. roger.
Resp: 2.12.25
